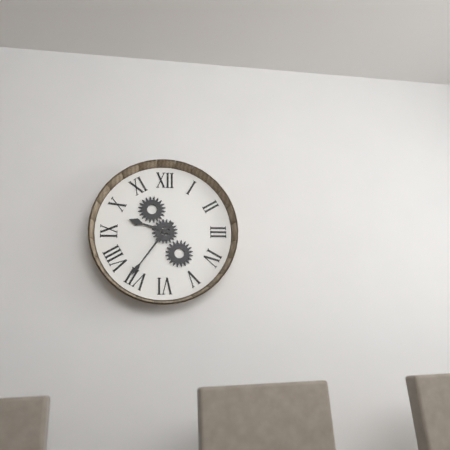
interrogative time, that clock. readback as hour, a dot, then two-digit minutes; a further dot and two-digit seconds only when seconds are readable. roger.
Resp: 9.36
